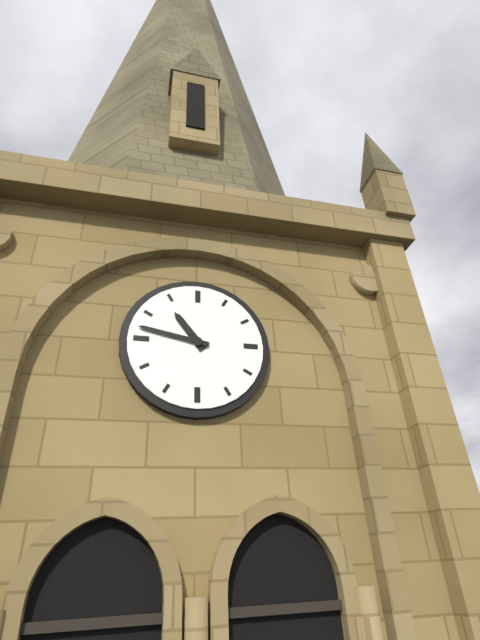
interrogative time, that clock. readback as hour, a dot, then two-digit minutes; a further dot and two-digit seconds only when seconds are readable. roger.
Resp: 10.47
